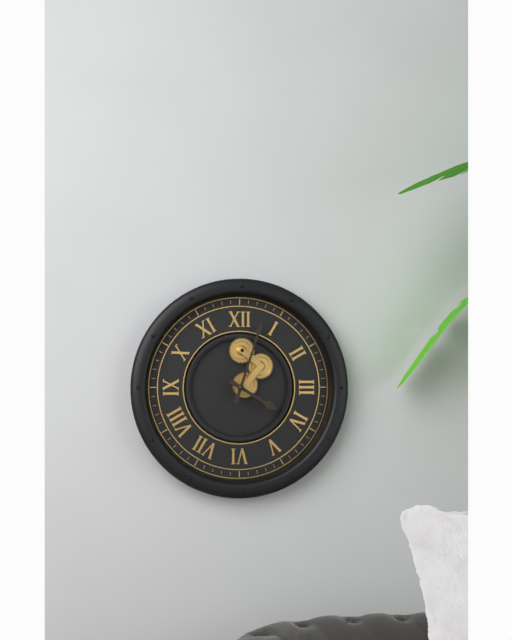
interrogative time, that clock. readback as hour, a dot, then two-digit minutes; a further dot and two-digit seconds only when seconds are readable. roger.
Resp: 4.03
